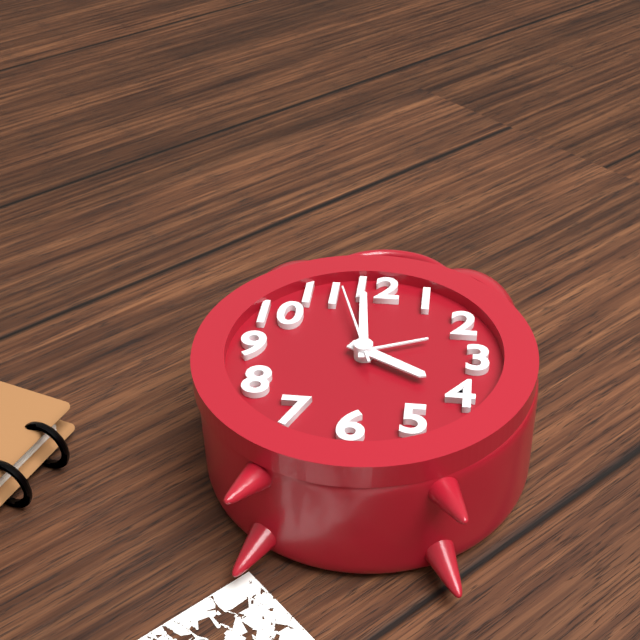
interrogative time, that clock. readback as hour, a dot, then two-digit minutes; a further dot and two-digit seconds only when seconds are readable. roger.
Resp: 3.59.57
